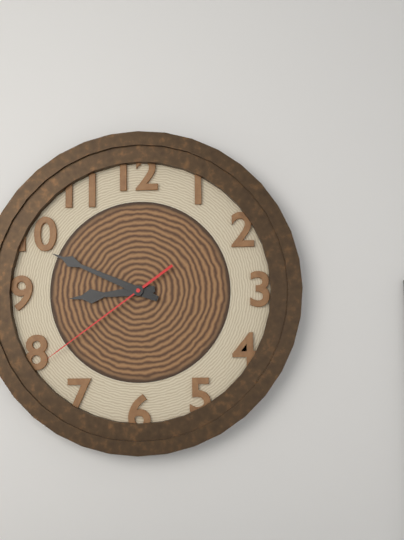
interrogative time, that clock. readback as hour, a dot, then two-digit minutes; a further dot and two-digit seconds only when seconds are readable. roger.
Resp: 8.49.39
